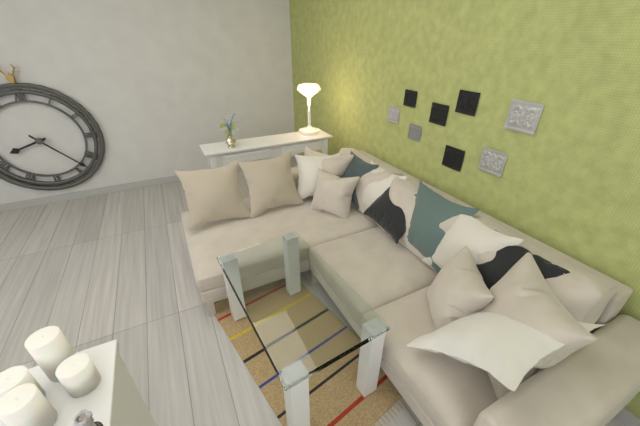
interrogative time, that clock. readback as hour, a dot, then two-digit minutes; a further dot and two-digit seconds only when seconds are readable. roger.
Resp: 8.23
